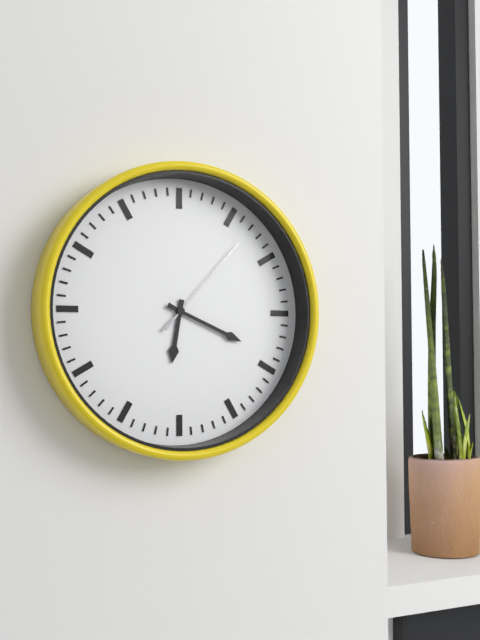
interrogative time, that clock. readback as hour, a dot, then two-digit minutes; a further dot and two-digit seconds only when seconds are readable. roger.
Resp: 6.19.07
